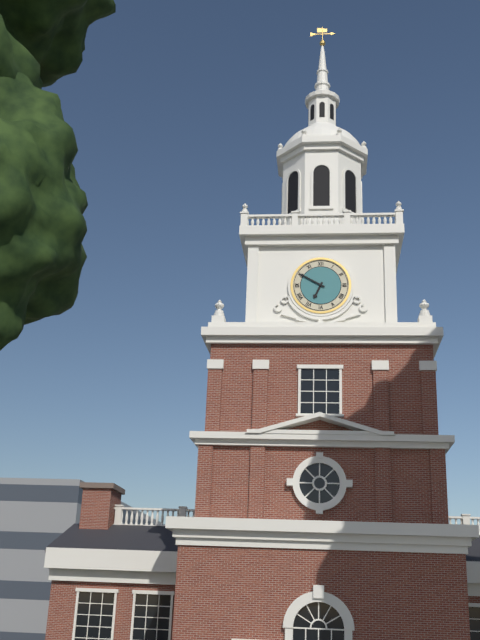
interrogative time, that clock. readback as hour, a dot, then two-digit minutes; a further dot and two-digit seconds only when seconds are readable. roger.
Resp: 6.50
